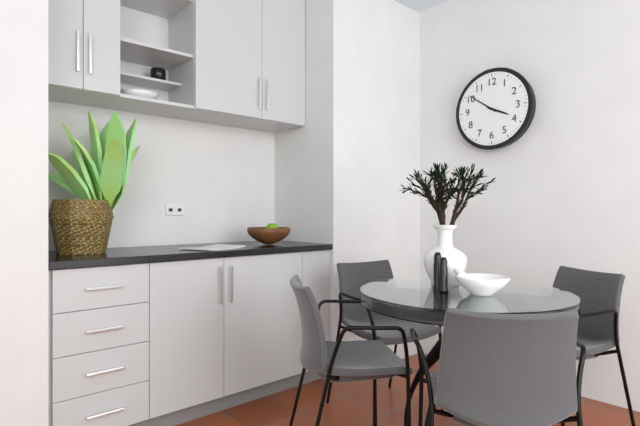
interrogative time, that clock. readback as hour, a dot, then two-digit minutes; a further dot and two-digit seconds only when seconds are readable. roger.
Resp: 3.51
